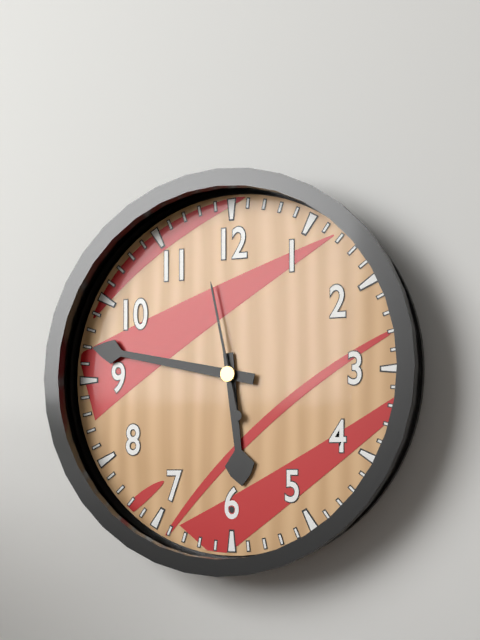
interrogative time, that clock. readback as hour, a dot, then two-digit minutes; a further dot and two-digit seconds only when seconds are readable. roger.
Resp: 5.47.58
